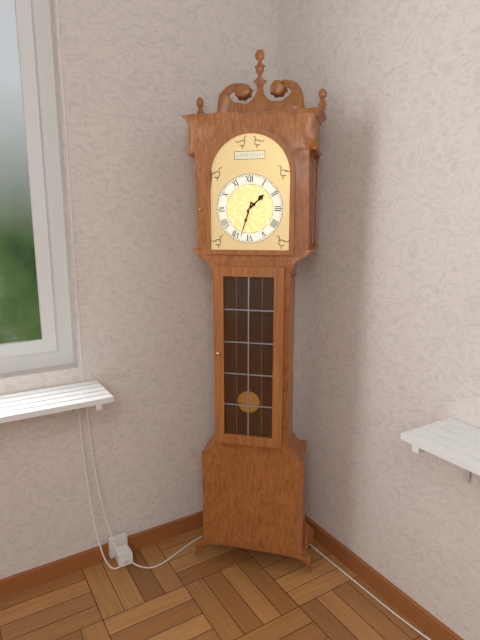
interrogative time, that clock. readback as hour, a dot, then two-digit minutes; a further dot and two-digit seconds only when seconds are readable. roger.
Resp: 1.33
